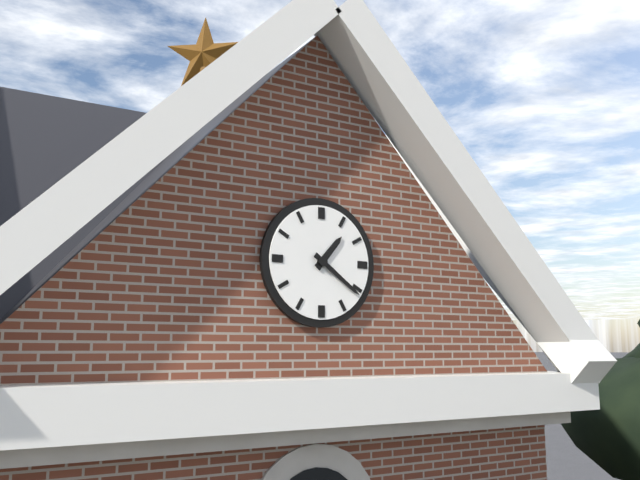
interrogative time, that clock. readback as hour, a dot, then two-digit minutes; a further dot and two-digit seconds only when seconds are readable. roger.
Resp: 1.21
